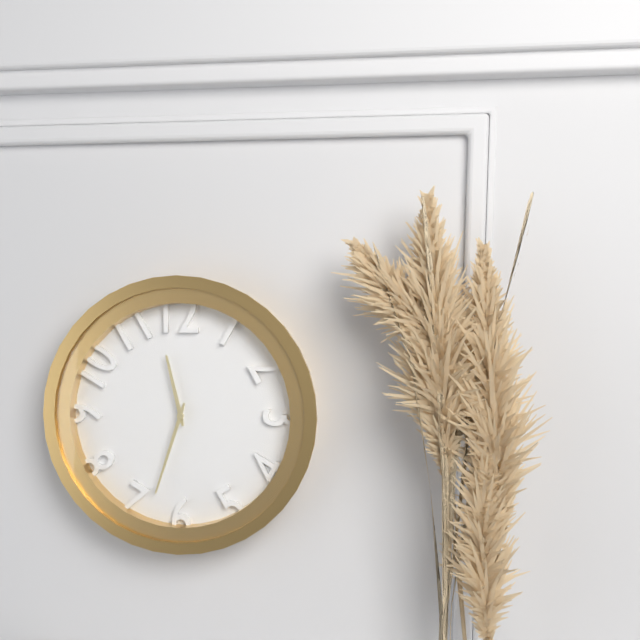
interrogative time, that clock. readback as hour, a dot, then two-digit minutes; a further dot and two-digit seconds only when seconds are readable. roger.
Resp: 11.33
